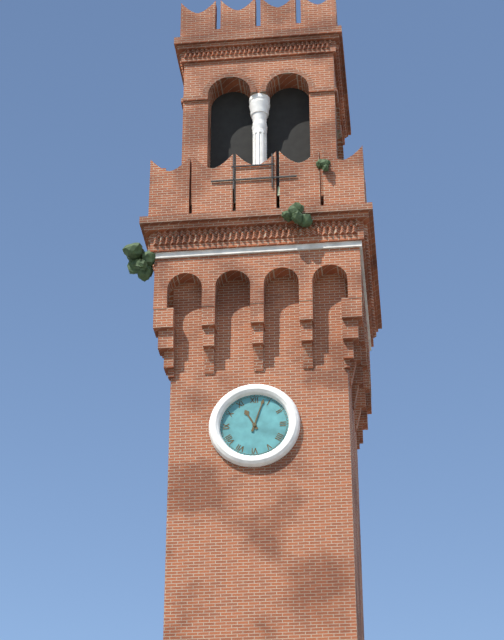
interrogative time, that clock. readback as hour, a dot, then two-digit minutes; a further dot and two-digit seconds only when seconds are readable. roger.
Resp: 11.03
